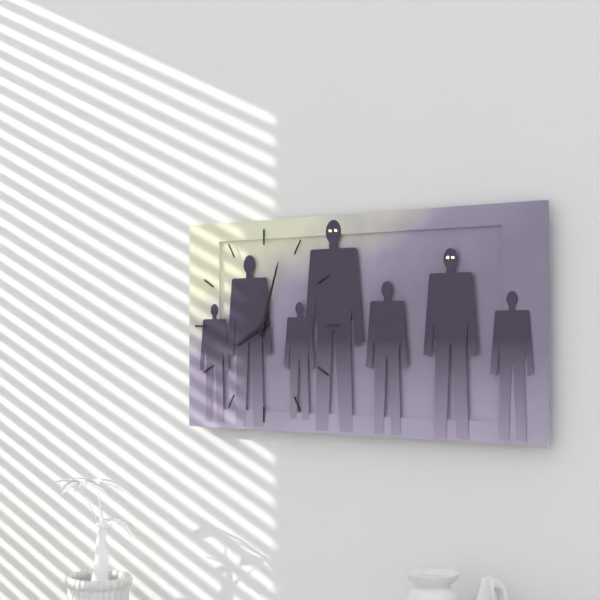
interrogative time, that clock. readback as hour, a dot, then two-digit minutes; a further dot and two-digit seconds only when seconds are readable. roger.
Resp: 8.03
